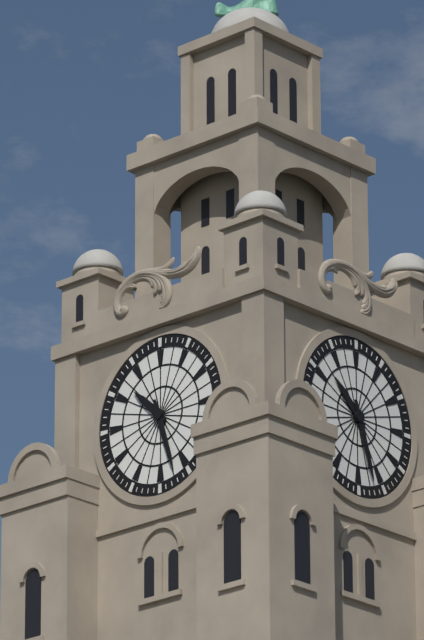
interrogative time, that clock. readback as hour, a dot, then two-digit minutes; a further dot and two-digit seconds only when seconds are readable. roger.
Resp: 10.27
